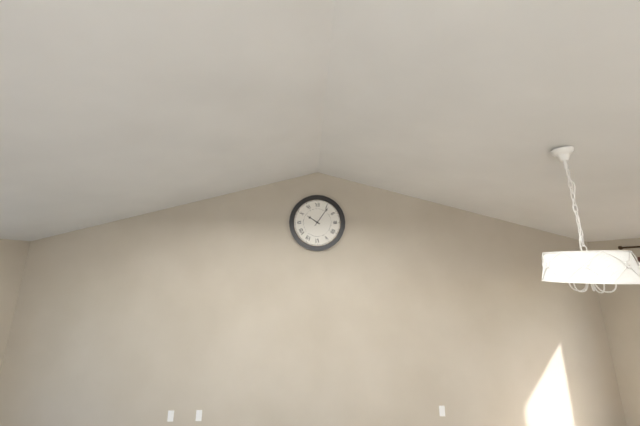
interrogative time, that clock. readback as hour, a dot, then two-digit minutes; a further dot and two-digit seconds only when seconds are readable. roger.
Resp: 10.06
